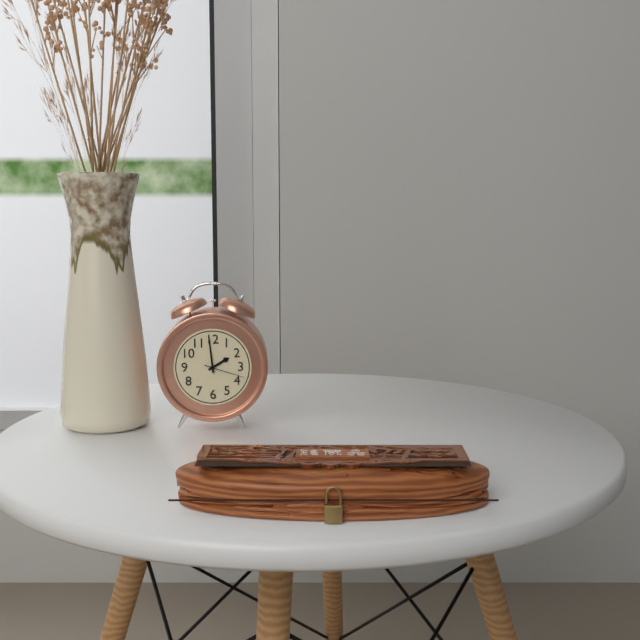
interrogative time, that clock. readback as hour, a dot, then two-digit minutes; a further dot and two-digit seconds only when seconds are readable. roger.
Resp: 1.59
